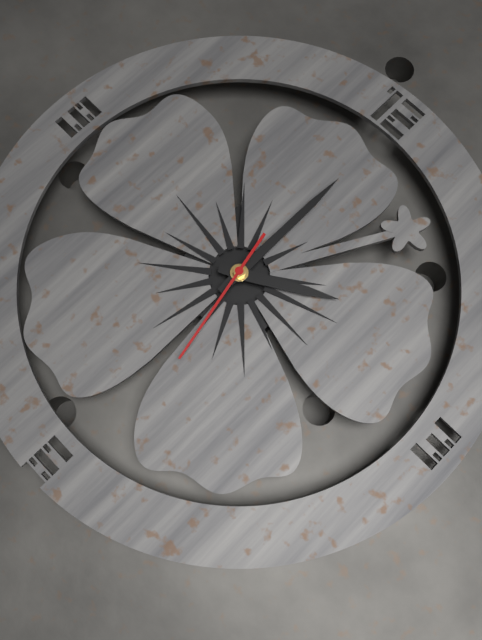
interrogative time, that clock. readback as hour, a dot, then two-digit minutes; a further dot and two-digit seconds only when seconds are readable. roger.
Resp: 2.00.28
